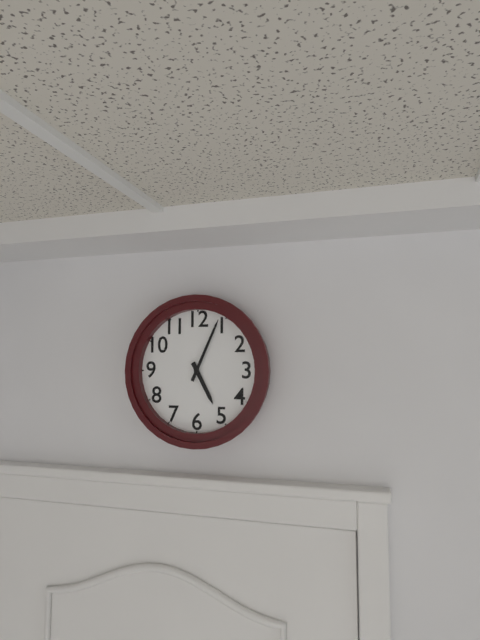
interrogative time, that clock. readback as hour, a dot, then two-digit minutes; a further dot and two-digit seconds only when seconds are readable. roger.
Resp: 5.04
